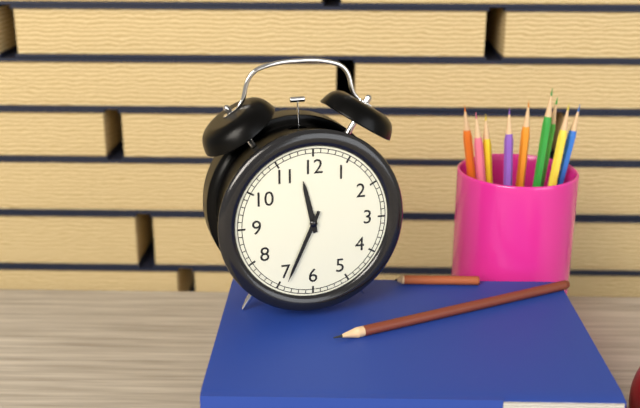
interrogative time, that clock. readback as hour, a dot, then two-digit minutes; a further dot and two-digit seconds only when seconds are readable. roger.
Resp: 11.34
